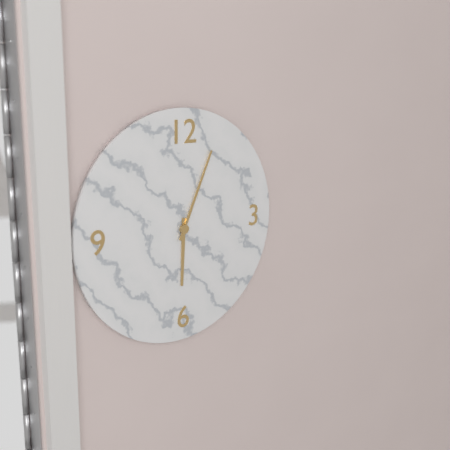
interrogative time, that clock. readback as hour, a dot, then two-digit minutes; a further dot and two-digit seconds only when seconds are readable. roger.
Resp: 6.04
